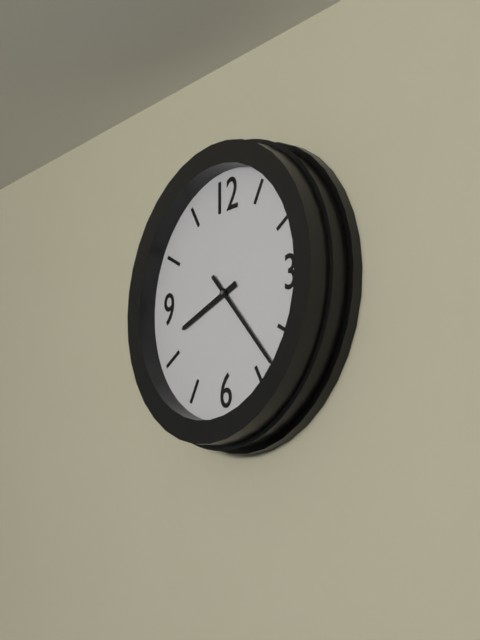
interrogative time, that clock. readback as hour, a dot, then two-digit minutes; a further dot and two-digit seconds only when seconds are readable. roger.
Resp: 8.23
